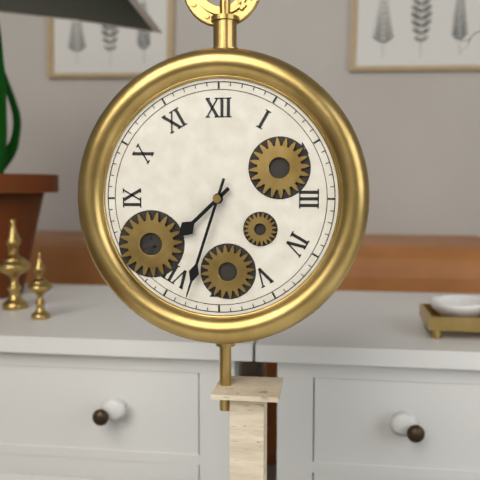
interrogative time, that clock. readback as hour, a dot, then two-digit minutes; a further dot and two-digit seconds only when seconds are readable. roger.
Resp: 7.33
